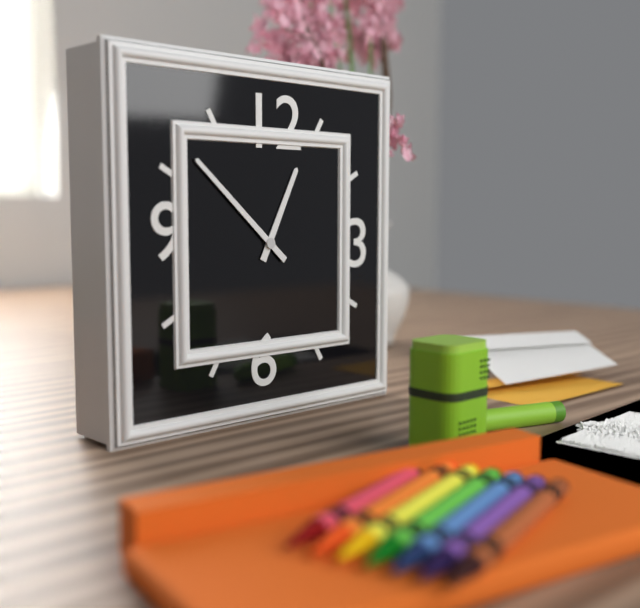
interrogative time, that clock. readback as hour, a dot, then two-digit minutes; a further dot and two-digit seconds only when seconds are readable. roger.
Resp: 12.52
